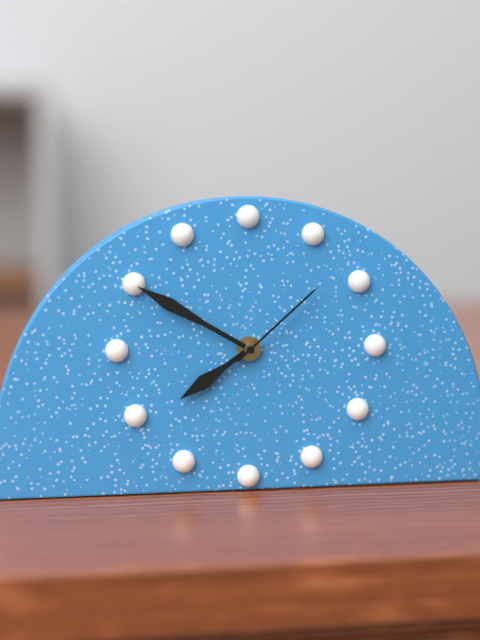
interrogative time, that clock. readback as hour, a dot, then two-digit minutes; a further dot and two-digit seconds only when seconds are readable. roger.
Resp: 7.50.08
